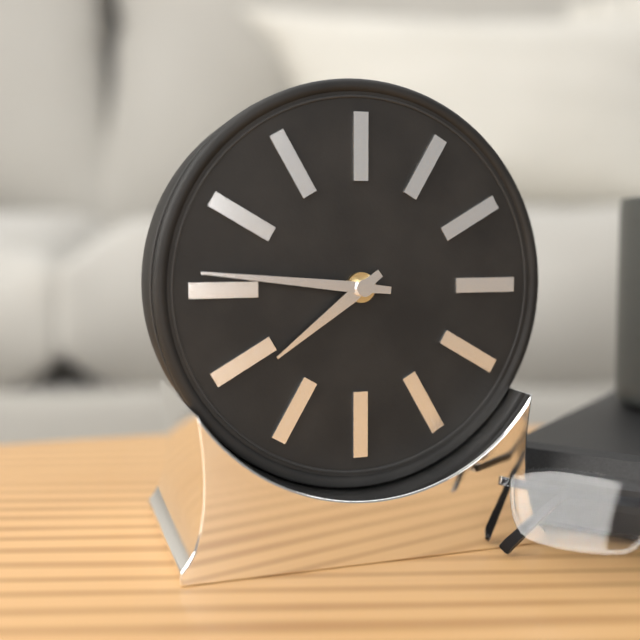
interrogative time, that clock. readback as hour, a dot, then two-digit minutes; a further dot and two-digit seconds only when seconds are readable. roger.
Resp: 7.46
